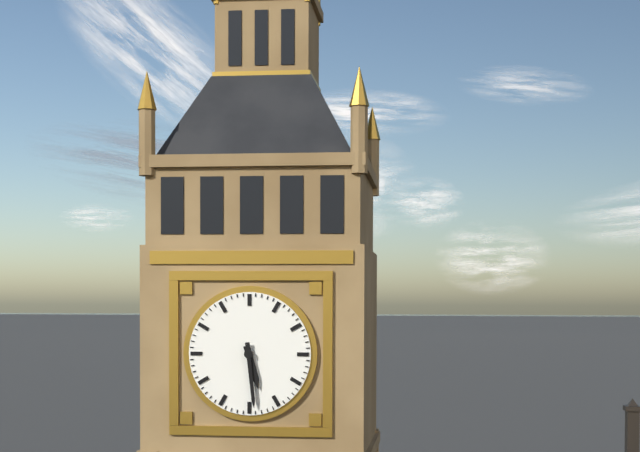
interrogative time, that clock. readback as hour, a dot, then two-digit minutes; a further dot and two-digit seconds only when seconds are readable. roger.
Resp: 5.29
